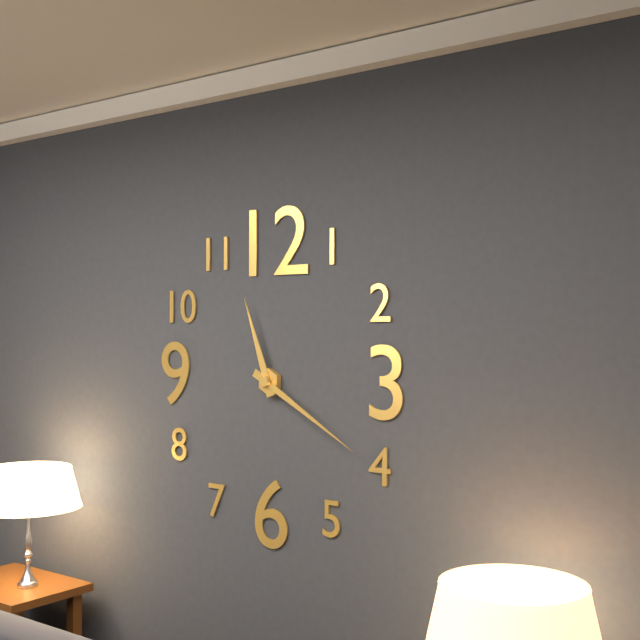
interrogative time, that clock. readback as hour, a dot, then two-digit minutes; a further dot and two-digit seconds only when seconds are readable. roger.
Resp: 11.20
